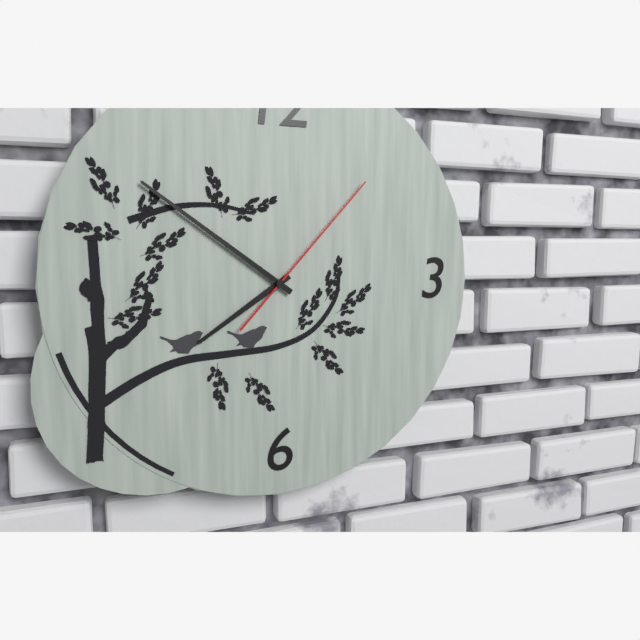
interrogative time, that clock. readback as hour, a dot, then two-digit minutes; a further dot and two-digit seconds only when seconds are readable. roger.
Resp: 7.51.07
